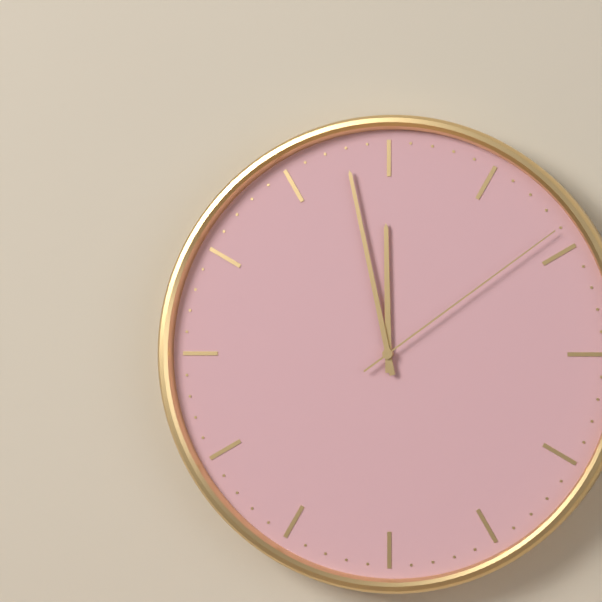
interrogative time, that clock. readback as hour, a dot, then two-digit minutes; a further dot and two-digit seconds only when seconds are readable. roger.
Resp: 11.58.09
